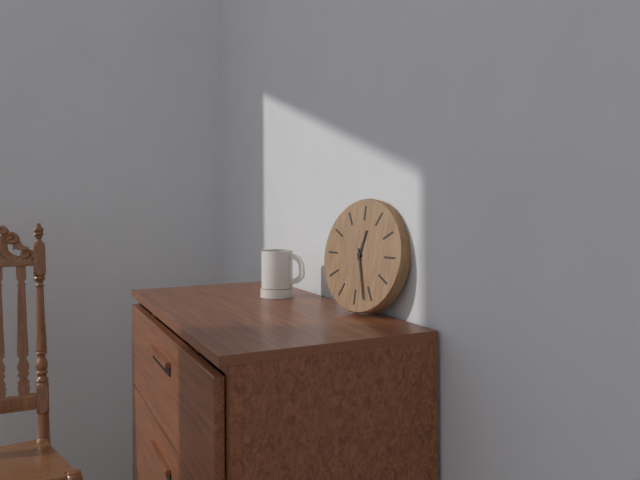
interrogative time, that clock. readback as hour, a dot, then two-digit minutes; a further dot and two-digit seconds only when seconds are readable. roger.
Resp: 12.27
